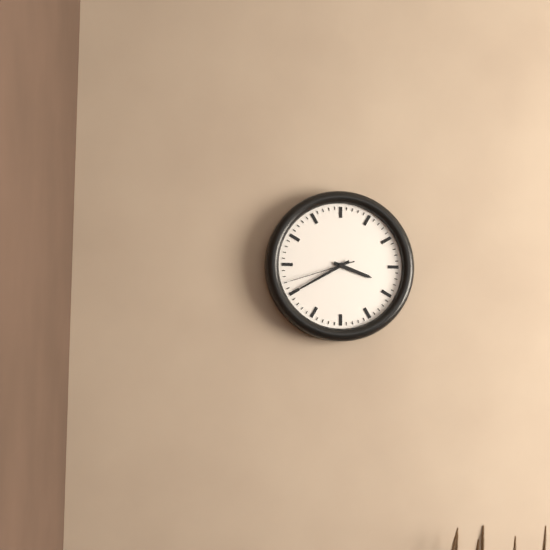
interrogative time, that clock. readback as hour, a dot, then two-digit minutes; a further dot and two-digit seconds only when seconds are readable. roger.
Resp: 3.40.42
